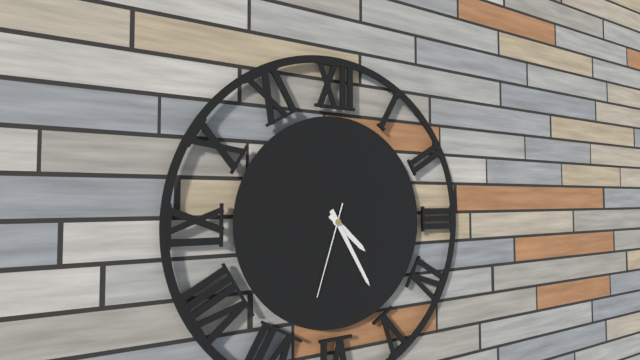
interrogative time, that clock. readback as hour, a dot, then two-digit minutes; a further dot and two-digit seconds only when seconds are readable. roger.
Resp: 4.25.33
